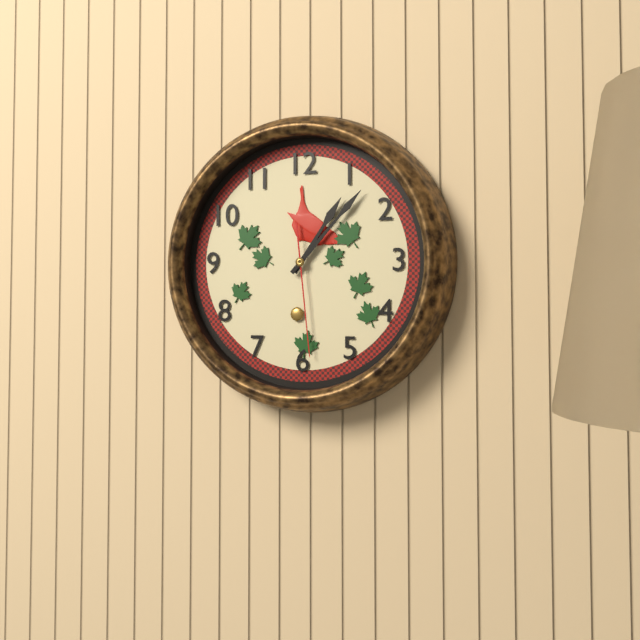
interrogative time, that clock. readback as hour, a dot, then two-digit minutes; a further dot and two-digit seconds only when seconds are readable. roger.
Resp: 1.07.29
